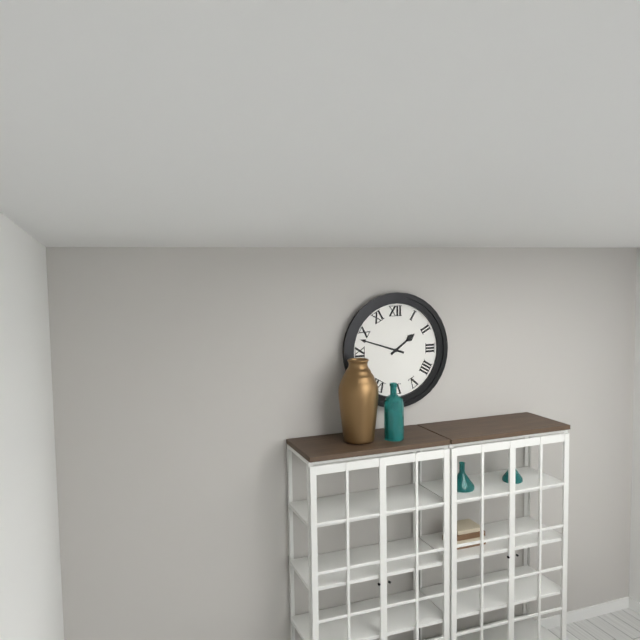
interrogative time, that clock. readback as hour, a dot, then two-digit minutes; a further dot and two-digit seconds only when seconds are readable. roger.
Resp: 1.48
